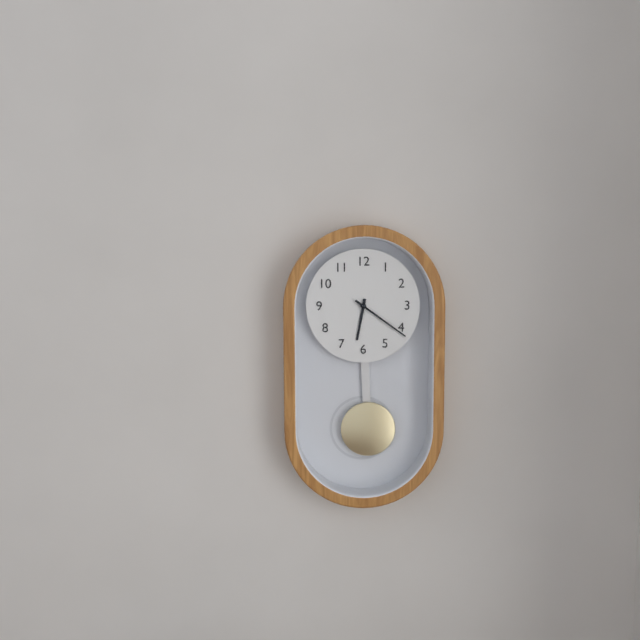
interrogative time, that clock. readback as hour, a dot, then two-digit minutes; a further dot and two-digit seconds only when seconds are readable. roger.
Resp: 6.21
